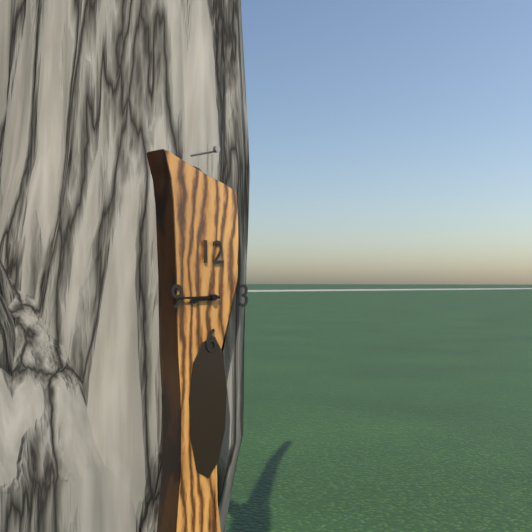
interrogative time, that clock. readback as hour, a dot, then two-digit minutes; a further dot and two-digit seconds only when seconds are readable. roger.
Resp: 8.45
